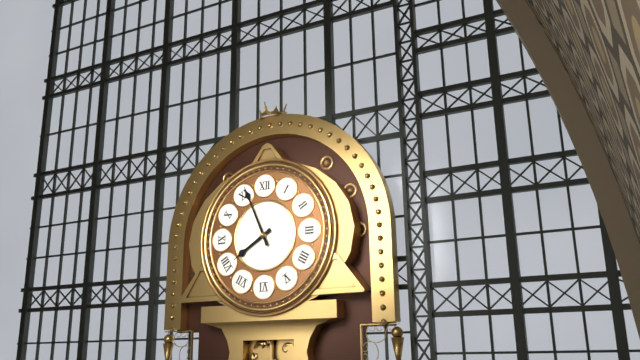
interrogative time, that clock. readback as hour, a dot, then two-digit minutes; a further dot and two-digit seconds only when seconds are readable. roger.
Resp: 7.56
